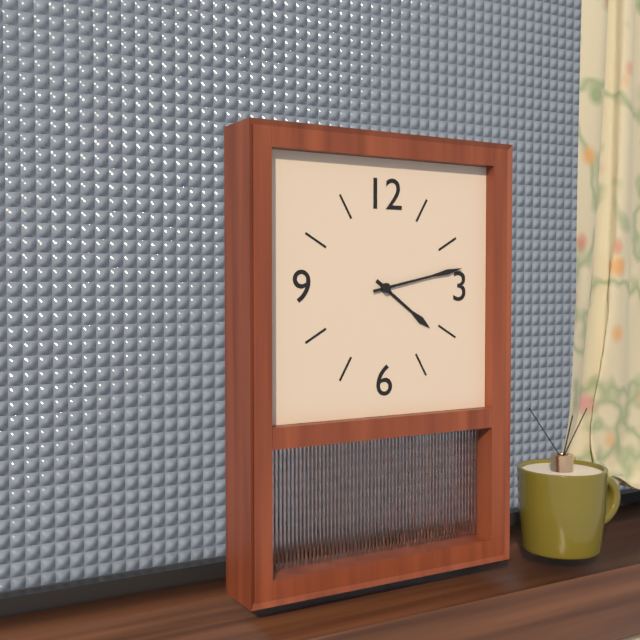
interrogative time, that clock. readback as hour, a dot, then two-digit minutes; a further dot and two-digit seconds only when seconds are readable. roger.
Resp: 4.13
